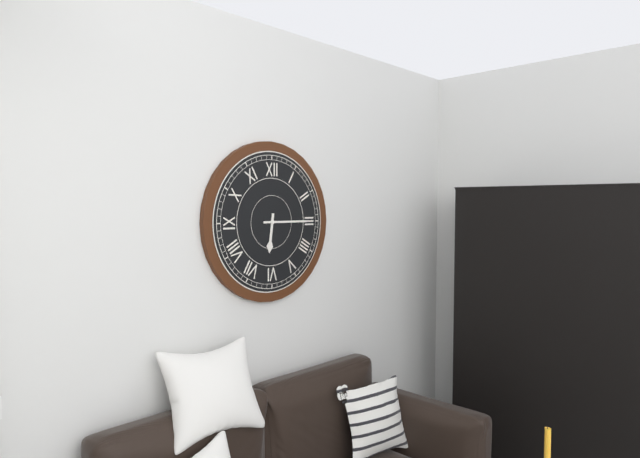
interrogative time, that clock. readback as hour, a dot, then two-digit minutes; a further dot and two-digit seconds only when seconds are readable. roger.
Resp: 6.15
